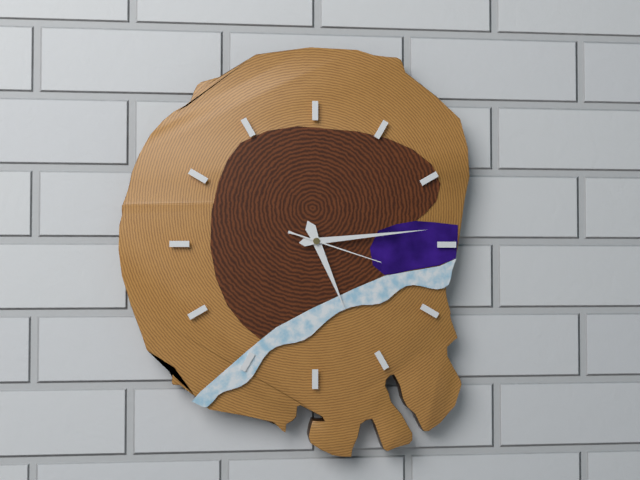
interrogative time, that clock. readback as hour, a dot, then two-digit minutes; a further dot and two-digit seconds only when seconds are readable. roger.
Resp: 5.14.18
